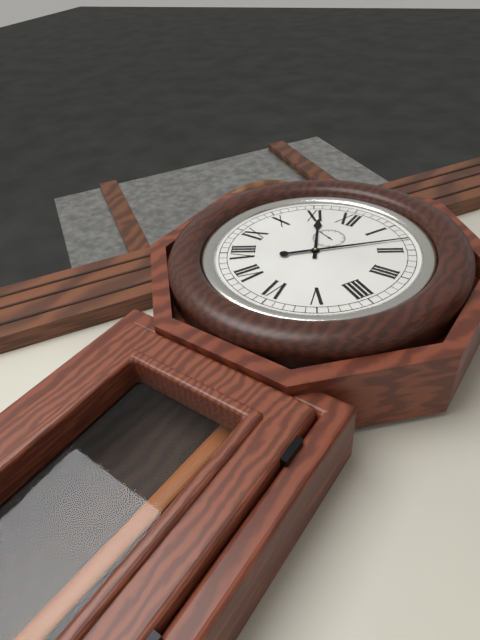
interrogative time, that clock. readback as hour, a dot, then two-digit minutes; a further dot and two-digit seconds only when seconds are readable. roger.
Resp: 11.08
